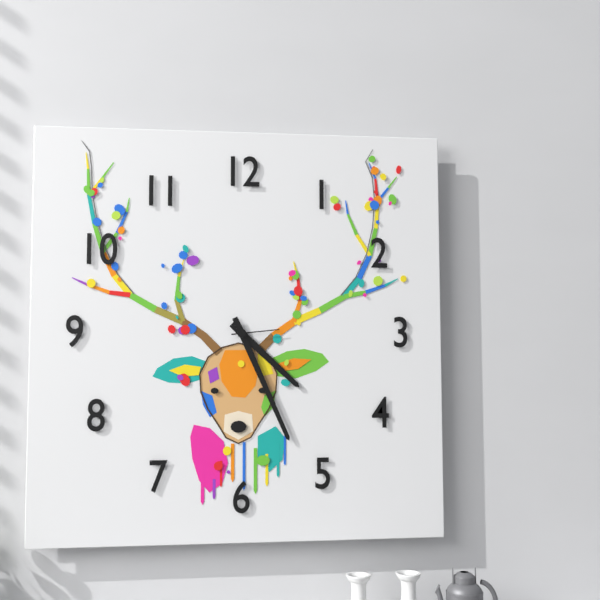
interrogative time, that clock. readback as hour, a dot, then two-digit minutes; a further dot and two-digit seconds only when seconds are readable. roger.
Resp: 4.26
